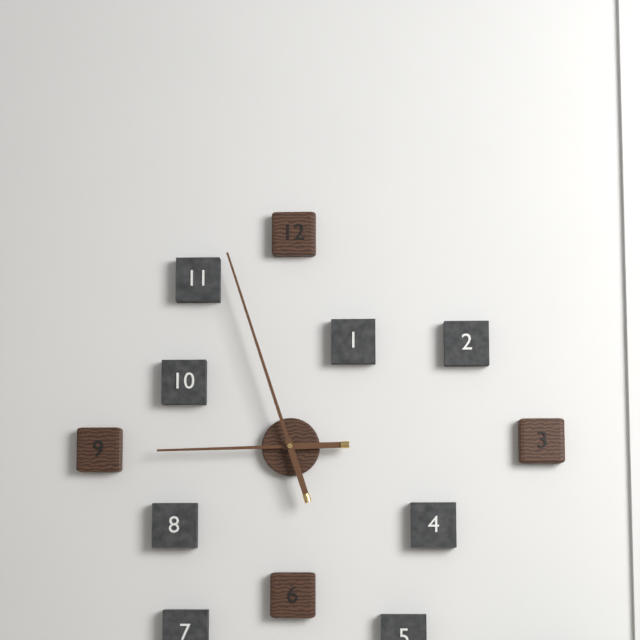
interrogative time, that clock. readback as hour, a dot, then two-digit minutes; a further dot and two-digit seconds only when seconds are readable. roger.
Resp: 8.57
